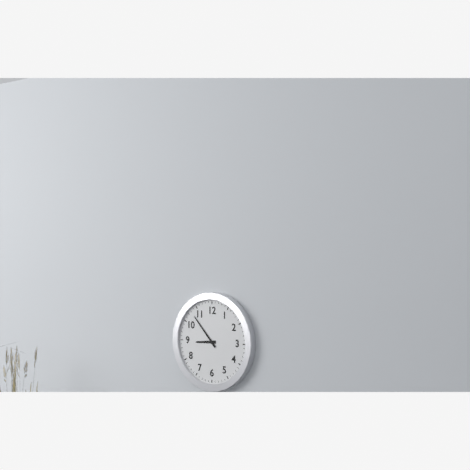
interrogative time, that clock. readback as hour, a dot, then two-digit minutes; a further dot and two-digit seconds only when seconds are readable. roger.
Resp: 8.53
